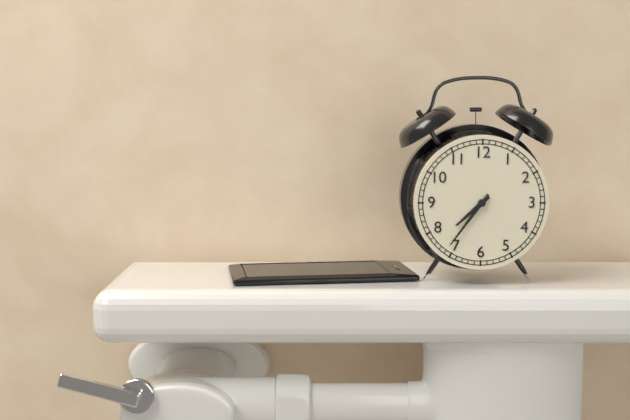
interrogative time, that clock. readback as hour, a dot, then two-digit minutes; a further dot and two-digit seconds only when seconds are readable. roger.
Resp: 7.36
